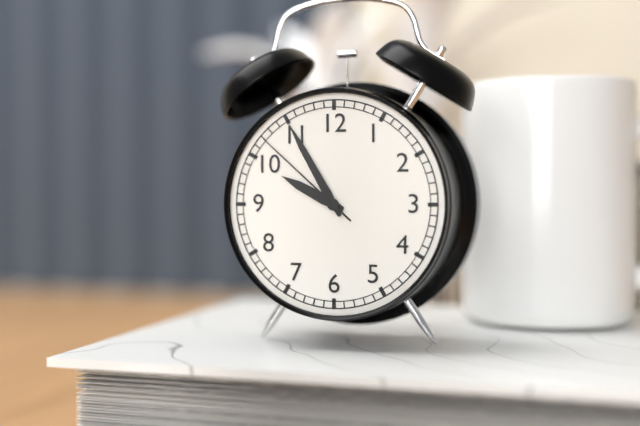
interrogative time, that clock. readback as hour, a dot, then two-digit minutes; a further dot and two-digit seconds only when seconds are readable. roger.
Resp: 9.55.52
